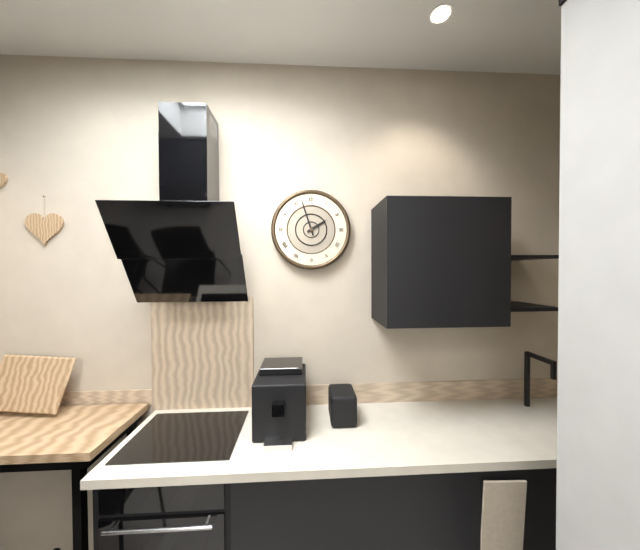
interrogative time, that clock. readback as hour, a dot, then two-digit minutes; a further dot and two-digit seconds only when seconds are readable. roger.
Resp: 1.57
